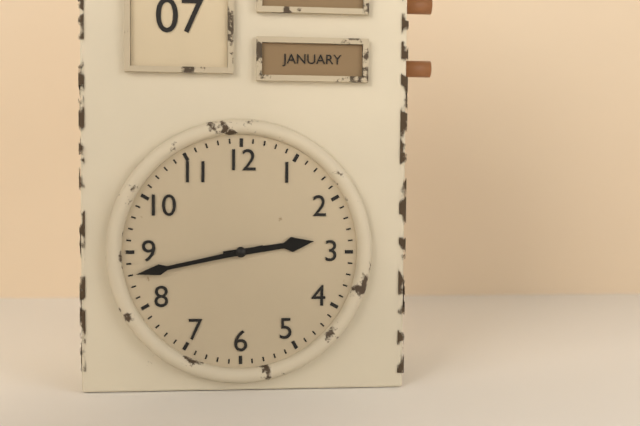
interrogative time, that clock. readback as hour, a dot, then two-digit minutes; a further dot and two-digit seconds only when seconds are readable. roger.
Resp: 2.43
